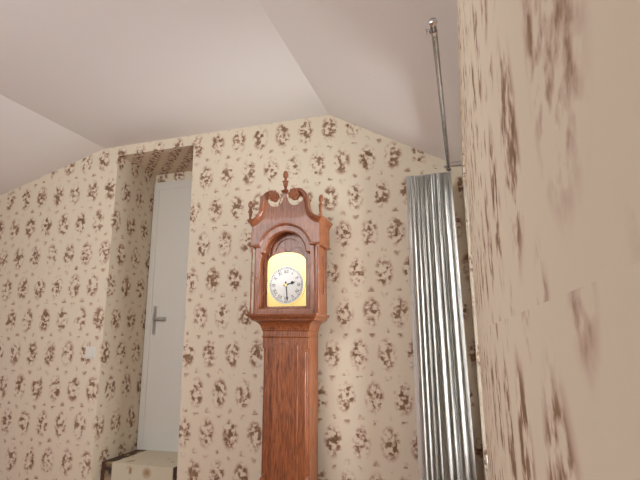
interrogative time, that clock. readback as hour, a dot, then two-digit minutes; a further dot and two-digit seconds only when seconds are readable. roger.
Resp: 2.29
